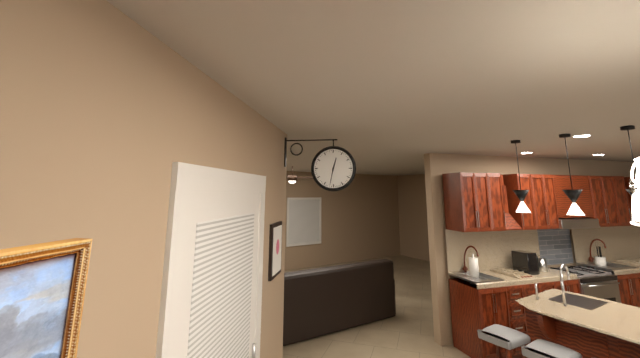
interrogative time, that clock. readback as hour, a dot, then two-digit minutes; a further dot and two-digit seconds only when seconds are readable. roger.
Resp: 12.32
